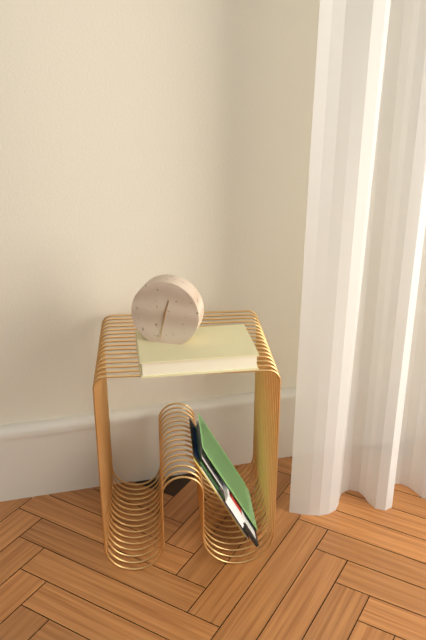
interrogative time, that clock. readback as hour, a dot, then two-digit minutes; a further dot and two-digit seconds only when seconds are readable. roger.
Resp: 12.32
